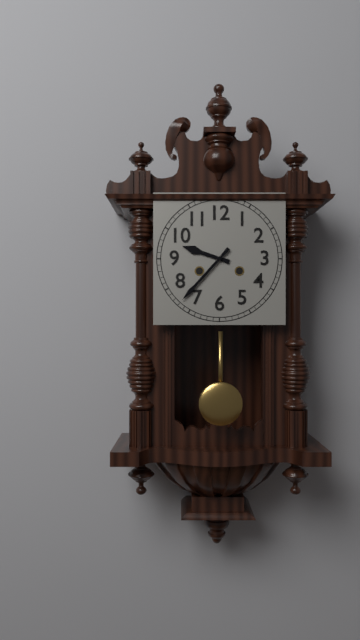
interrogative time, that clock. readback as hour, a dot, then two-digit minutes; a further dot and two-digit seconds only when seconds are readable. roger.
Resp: 9.37
